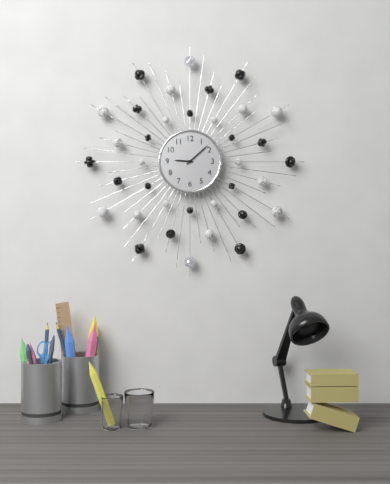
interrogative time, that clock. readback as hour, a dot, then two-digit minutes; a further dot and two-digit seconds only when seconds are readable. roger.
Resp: 9.08
